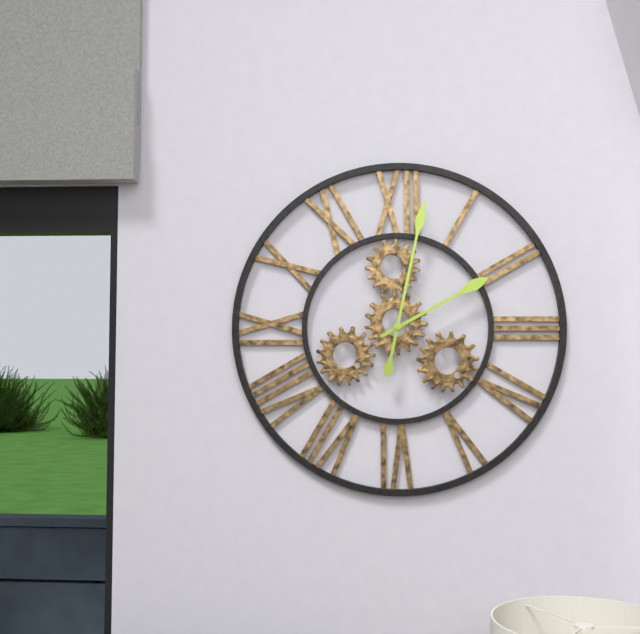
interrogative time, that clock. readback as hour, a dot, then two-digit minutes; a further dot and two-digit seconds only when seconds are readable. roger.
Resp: 2.02
